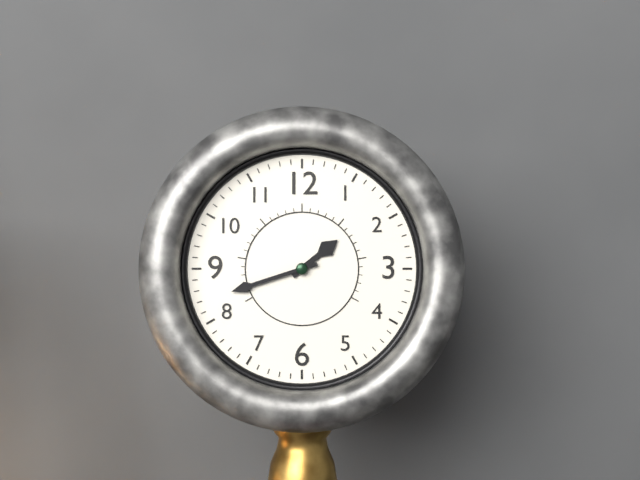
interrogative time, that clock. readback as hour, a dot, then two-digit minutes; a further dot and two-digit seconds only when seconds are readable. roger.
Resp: 1.42
